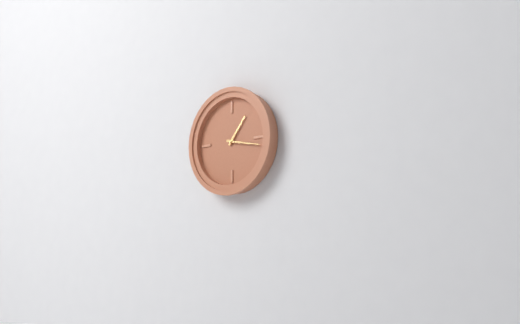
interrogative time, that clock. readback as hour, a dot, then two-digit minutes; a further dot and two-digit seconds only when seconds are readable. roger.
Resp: 1.17
